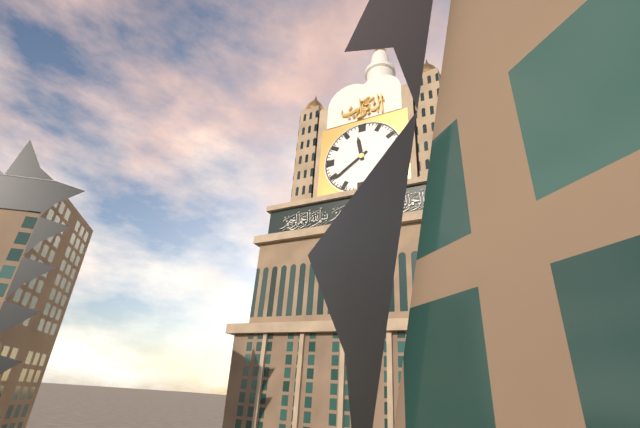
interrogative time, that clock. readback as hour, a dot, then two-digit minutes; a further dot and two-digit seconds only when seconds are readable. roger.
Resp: 11.39
